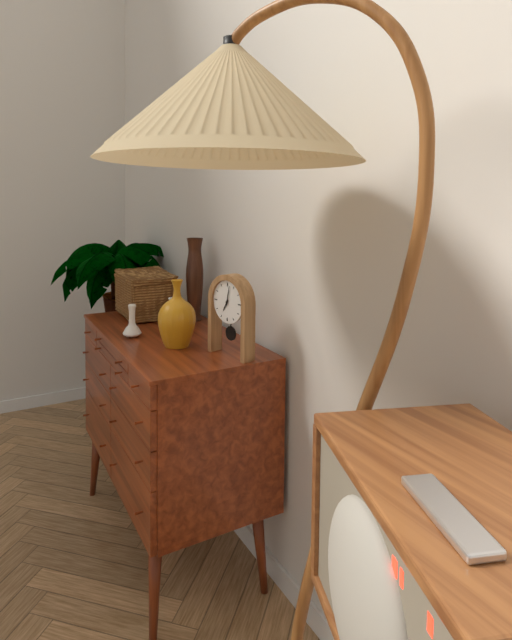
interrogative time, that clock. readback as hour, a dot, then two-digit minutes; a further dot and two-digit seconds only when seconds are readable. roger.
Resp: 7.02
